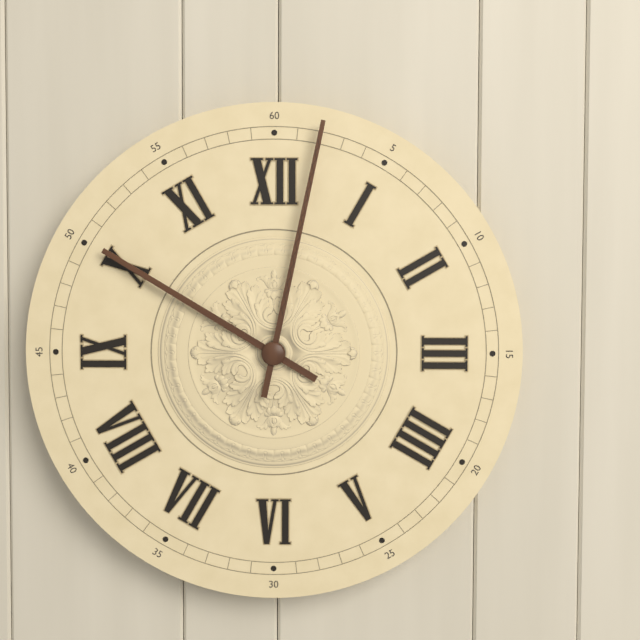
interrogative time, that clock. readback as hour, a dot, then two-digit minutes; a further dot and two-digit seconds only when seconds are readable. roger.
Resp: 10.02
